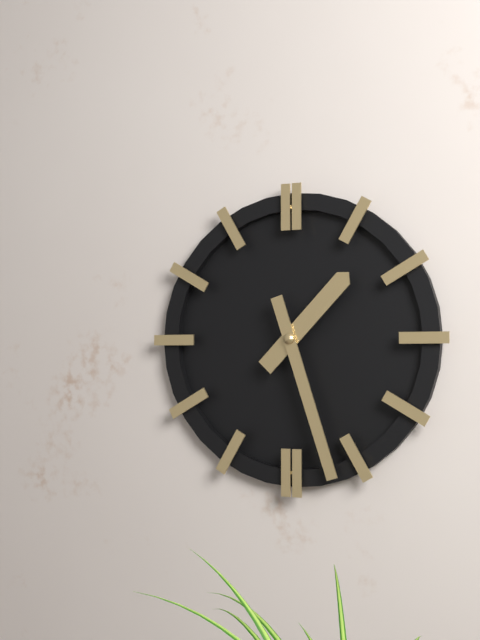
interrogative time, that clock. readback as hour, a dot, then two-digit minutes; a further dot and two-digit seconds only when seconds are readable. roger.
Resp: 1.27
